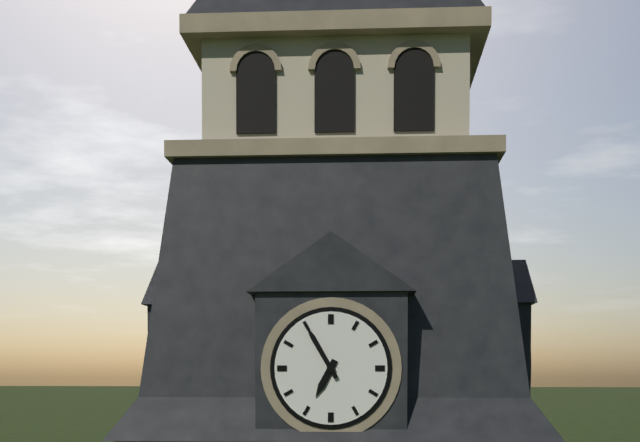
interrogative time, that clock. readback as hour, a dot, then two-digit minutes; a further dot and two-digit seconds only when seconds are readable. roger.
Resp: 6.55
